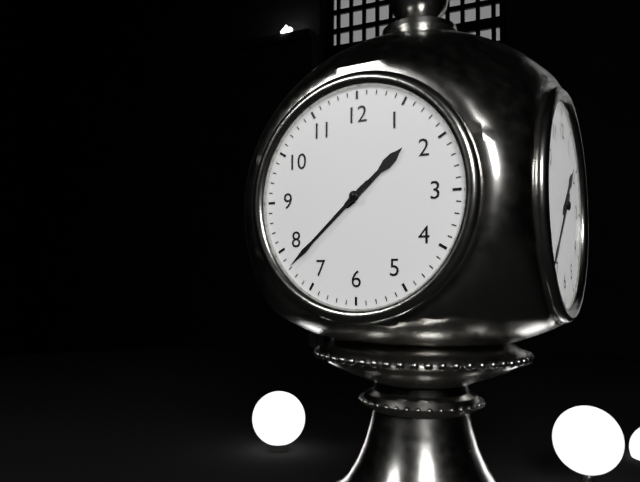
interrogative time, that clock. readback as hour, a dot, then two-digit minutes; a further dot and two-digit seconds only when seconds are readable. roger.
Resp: 1.38
